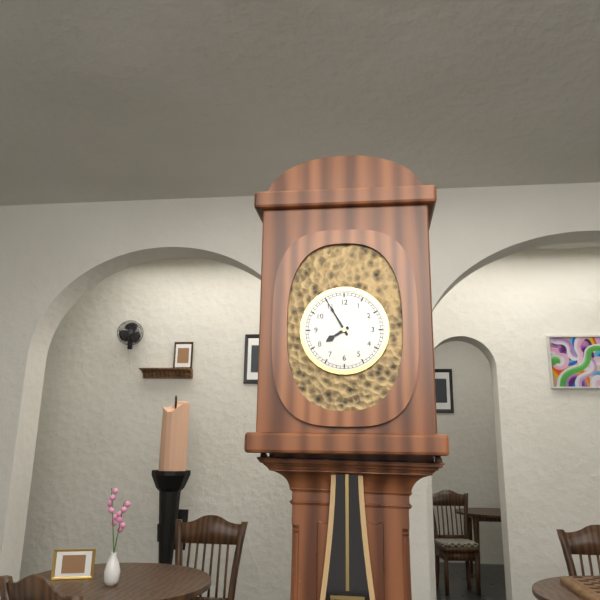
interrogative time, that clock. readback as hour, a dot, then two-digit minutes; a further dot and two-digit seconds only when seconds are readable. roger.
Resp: 7.55
